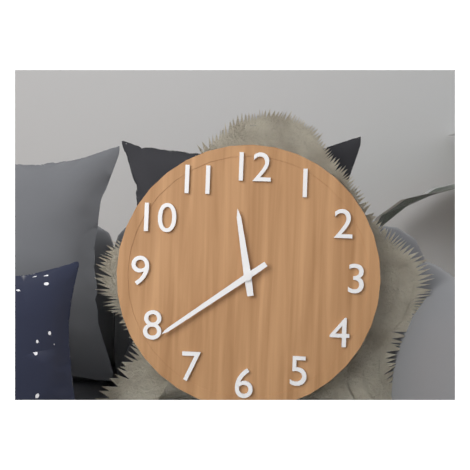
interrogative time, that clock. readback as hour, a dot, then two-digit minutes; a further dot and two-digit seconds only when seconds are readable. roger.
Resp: 11.39
